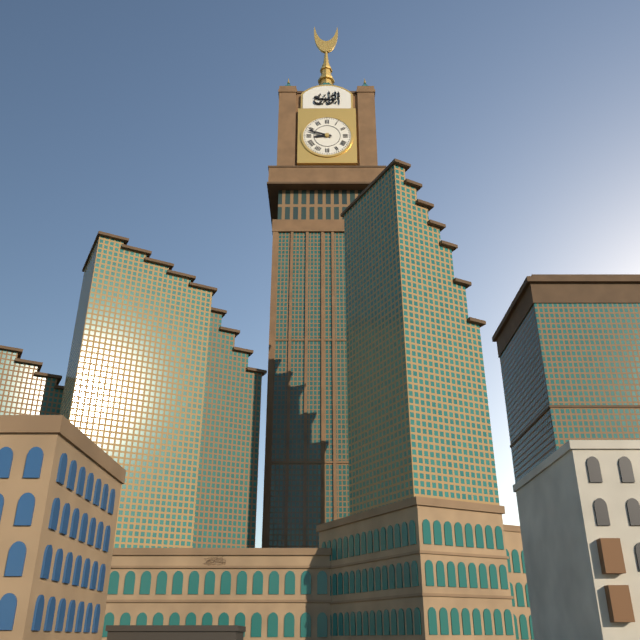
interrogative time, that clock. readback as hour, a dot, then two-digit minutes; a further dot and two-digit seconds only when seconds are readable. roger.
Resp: 8.48
